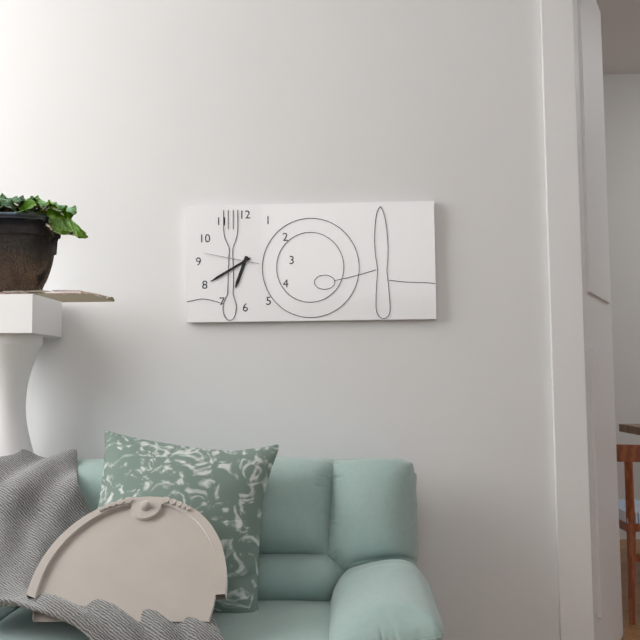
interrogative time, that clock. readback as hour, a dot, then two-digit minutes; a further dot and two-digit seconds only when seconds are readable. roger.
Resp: 6.40.47
